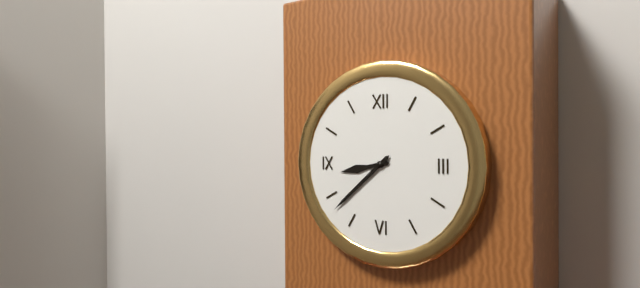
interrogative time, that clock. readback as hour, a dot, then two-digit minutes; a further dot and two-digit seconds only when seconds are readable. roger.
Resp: 8.38
